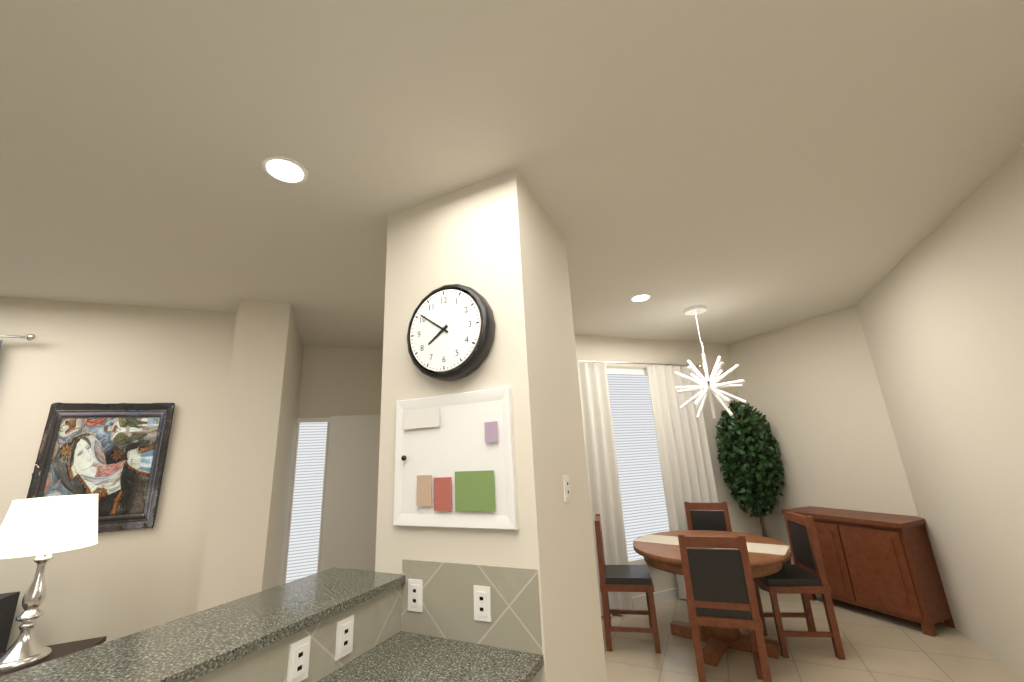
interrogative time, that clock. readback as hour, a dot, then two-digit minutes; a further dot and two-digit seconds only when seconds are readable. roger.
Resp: 7.51
